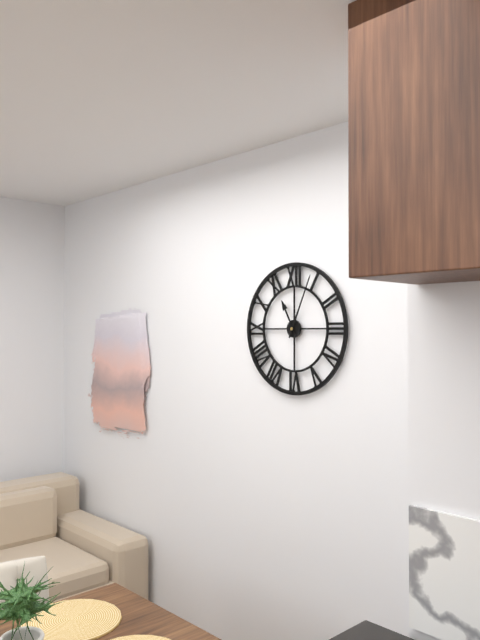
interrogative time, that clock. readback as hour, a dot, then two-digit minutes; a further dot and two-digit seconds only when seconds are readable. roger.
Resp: 11.04
